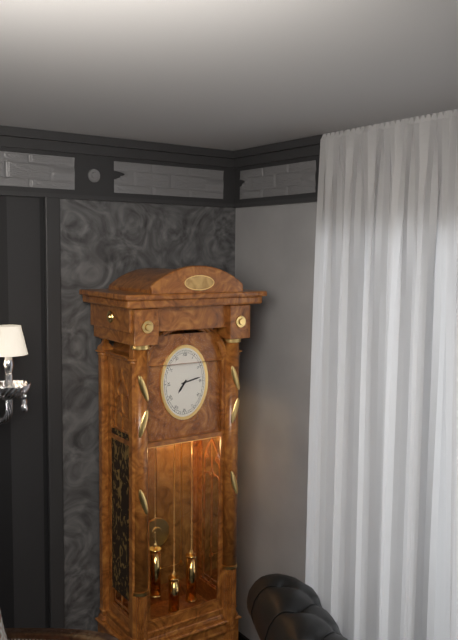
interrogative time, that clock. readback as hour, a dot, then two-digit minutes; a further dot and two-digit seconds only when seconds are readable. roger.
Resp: 7.13
